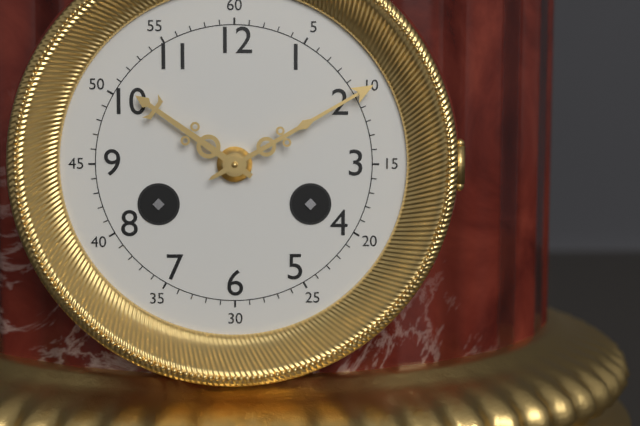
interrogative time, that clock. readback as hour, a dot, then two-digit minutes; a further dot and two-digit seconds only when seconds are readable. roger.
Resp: 10.10
